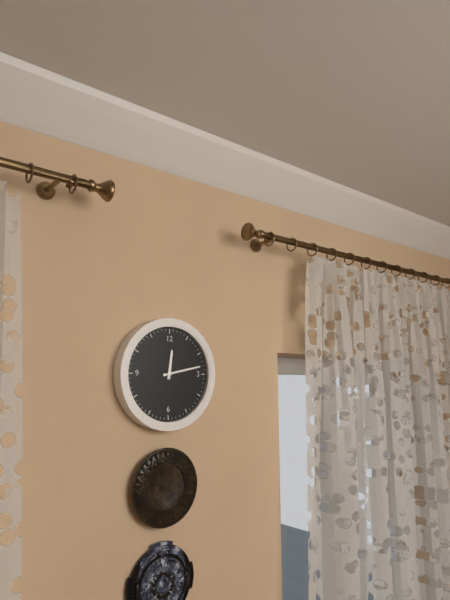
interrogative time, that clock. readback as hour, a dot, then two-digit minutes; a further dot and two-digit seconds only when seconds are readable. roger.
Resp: 12.13
